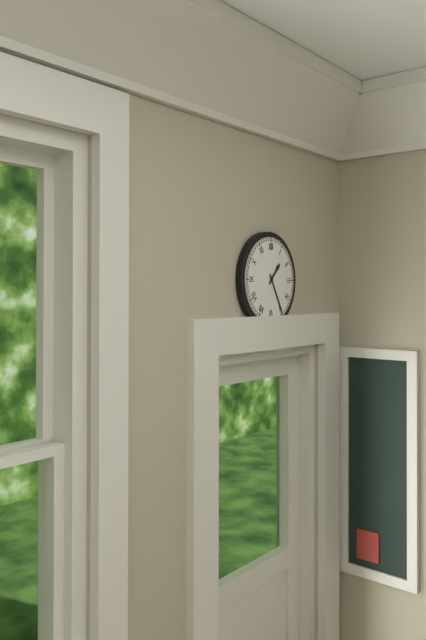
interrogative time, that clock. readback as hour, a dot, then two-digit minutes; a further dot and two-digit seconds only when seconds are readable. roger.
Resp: 1.25
